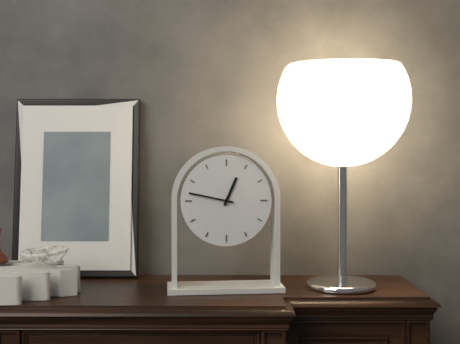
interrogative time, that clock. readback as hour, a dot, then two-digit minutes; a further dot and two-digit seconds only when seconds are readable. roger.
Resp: 12.47
